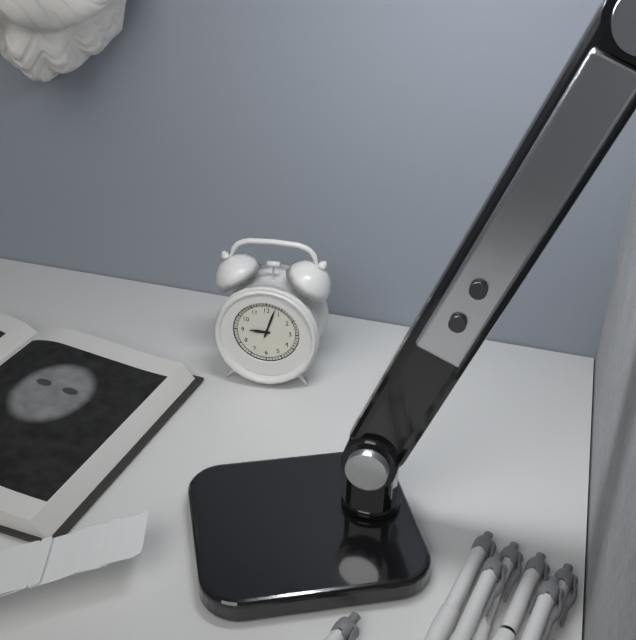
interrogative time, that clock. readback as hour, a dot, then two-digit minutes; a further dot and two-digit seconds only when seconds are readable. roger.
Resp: 9.03
